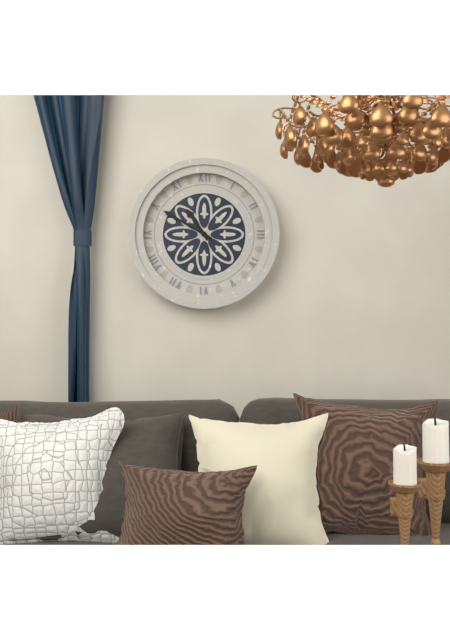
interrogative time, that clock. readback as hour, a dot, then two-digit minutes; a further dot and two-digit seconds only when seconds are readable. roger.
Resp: 10.50
